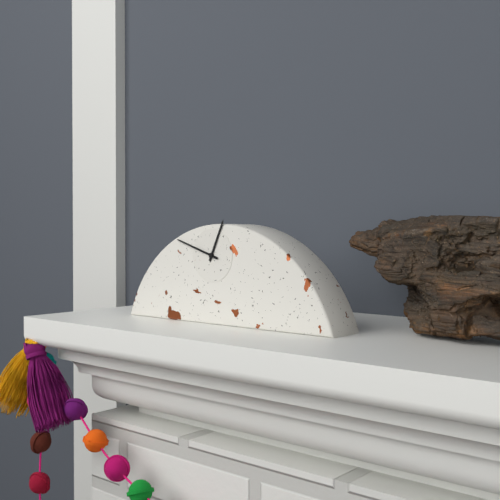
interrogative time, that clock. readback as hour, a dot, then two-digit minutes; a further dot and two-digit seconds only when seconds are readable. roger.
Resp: 12.48
